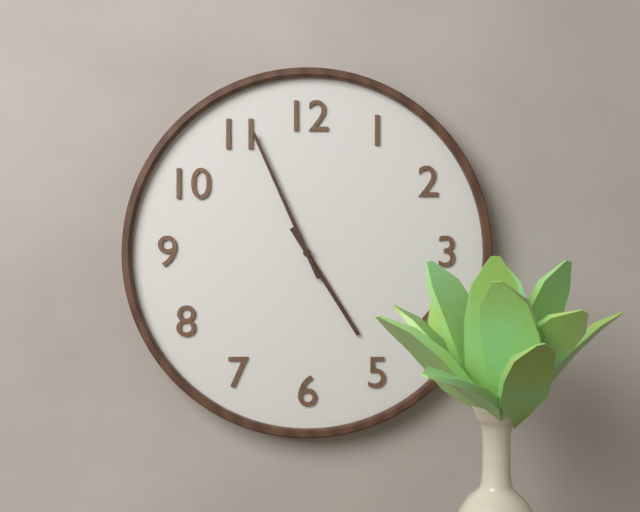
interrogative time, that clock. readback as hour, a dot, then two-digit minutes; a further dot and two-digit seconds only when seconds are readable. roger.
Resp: 4.56
